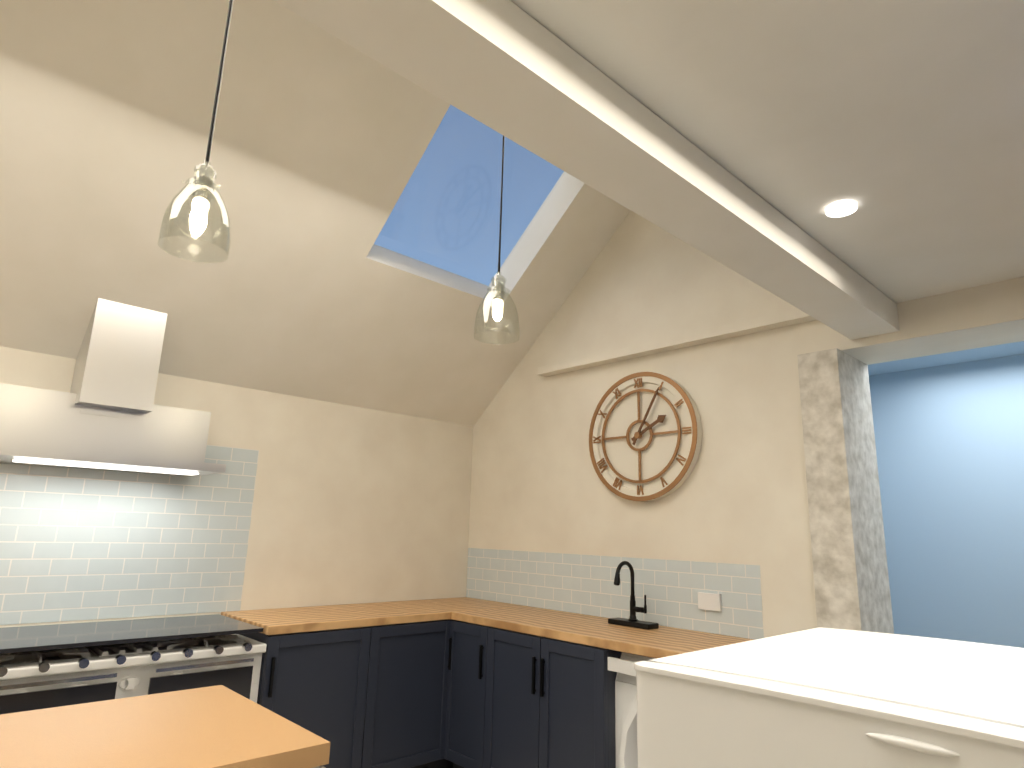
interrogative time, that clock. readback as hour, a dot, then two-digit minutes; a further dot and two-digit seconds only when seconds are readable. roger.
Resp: 2.05
